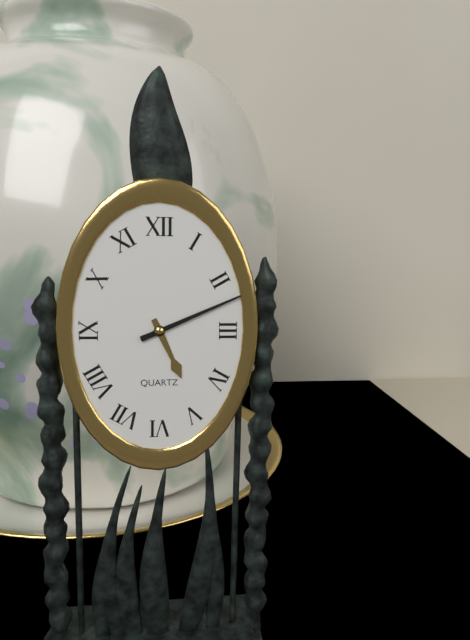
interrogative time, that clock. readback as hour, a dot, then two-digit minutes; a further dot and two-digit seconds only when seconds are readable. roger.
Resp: 5.11
